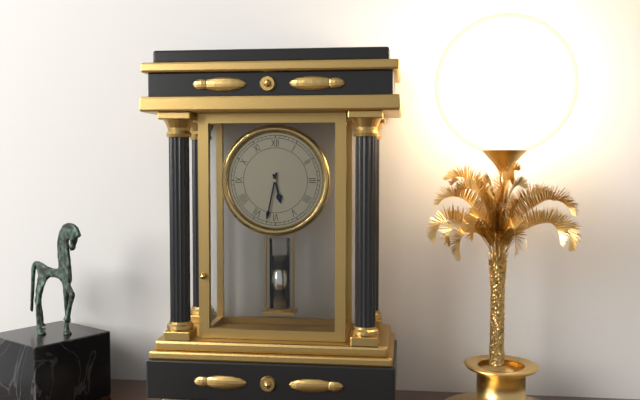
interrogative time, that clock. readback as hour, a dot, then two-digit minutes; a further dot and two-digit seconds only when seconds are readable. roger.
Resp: 5.32
